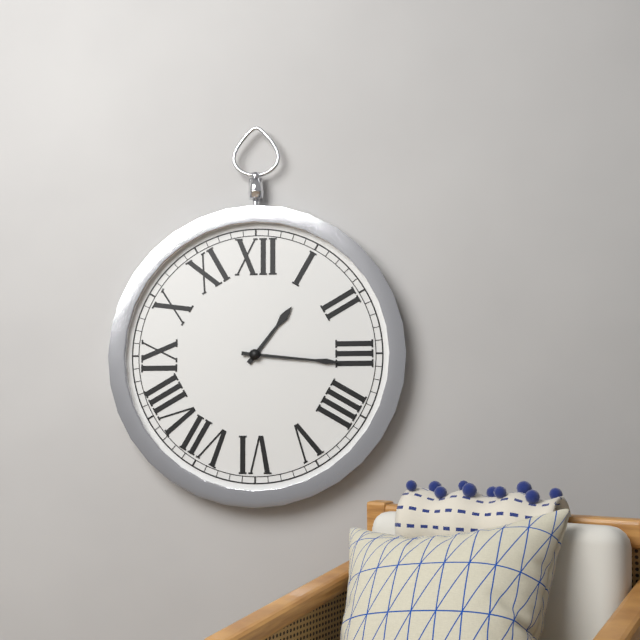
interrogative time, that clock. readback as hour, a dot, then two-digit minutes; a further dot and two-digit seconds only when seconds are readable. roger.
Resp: 1.16
